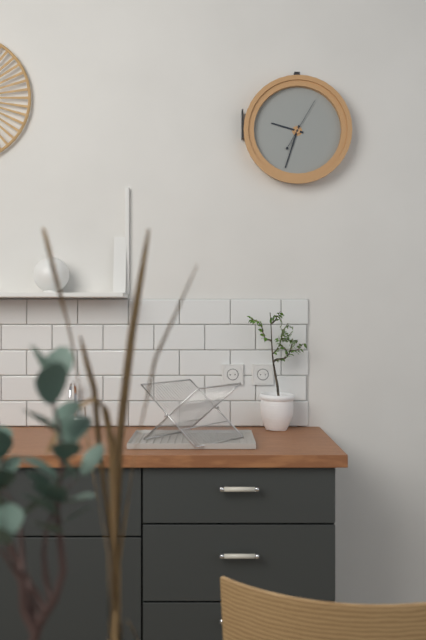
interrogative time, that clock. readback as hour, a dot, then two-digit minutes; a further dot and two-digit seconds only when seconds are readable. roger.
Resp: 9.33
